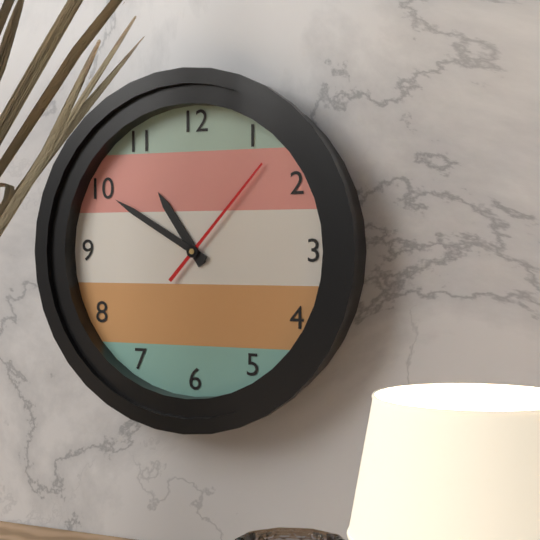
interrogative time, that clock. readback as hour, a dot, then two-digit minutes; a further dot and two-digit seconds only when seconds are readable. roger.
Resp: 10.50.07
